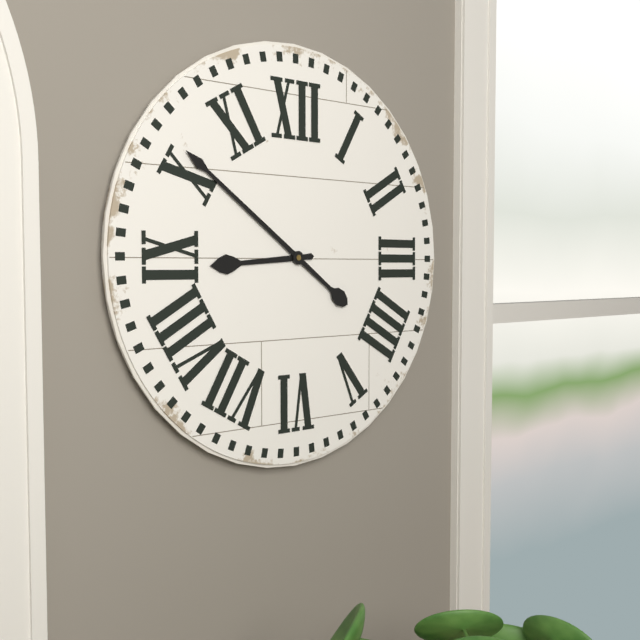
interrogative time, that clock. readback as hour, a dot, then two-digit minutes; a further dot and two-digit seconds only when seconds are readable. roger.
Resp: 8.51
